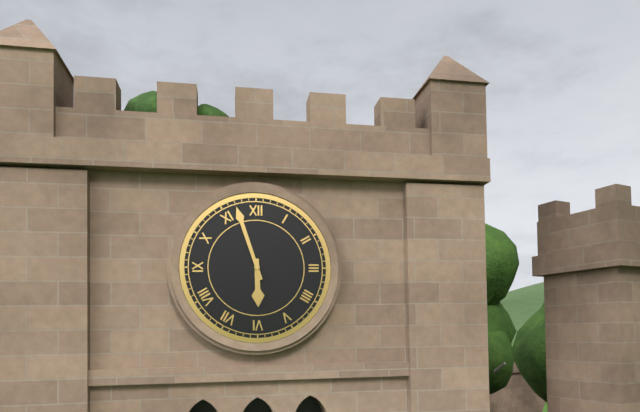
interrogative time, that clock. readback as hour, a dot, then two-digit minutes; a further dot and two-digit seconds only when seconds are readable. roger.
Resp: 5.57
